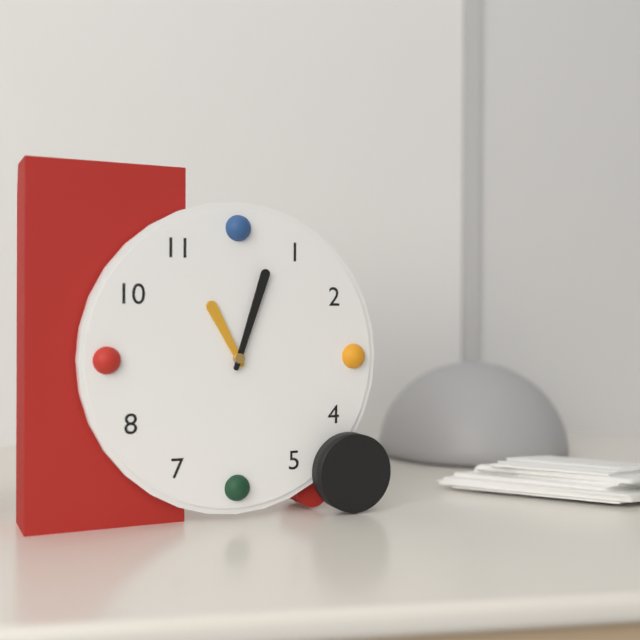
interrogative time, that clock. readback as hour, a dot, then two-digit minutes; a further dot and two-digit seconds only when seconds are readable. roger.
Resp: 11.03
